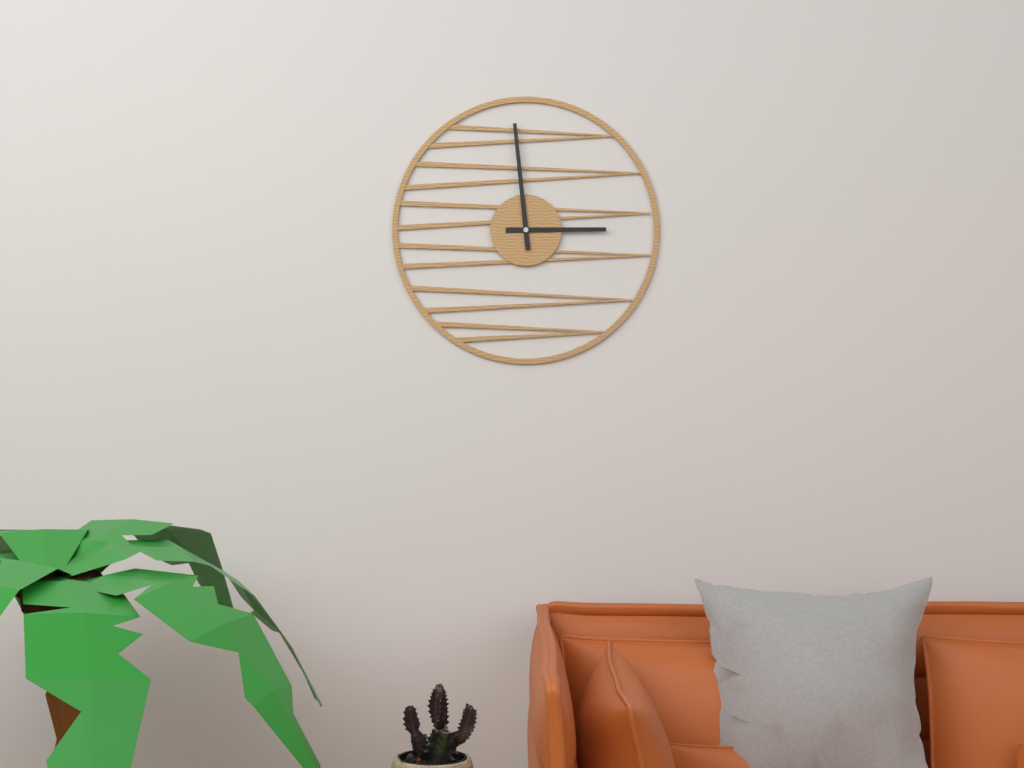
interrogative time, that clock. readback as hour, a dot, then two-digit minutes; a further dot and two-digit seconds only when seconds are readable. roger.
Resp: 2.59
